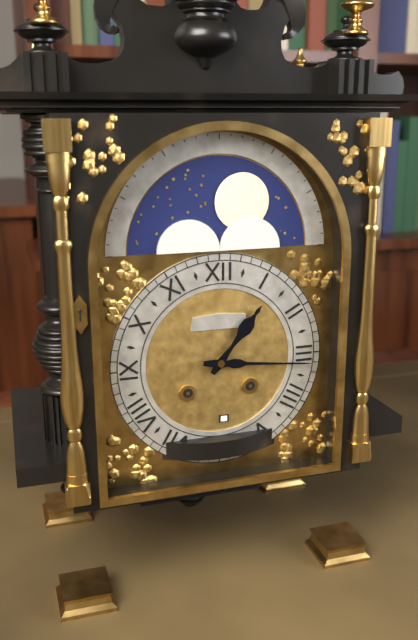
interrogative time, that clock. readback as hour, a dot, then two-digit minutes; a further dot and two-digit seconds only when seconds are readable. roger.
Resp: 1.16
